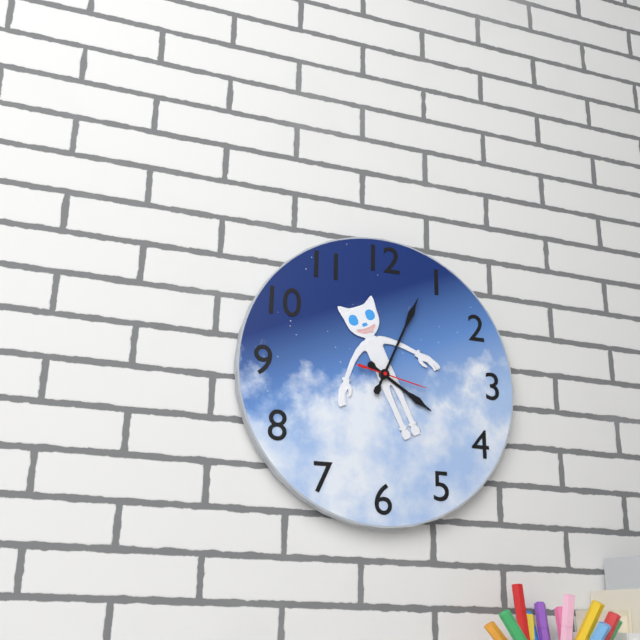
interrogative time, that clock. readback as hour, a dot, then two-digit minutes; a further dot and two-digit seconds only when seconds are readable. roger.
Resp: 4.04.17
